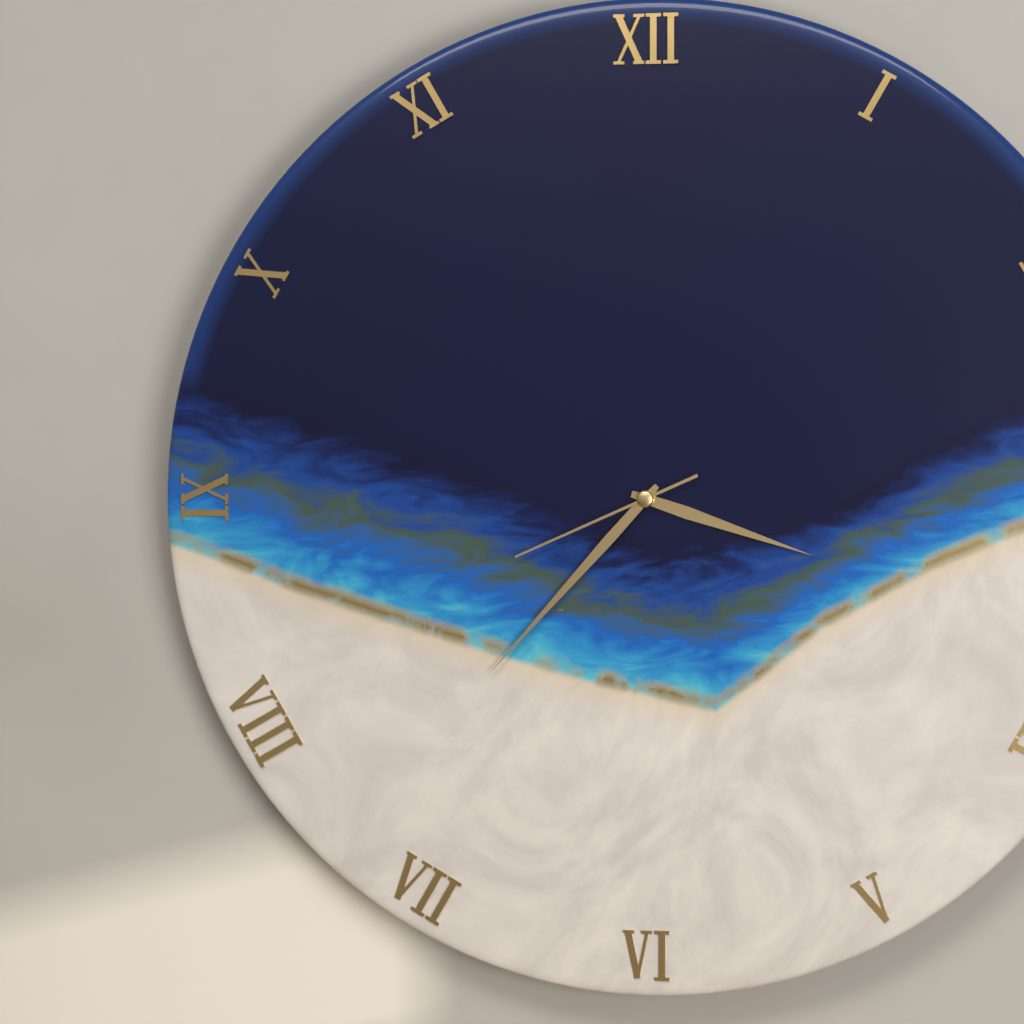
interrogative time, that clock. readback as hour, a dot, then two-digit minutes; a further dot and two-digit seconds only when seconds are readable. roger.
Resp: 3.37.41
